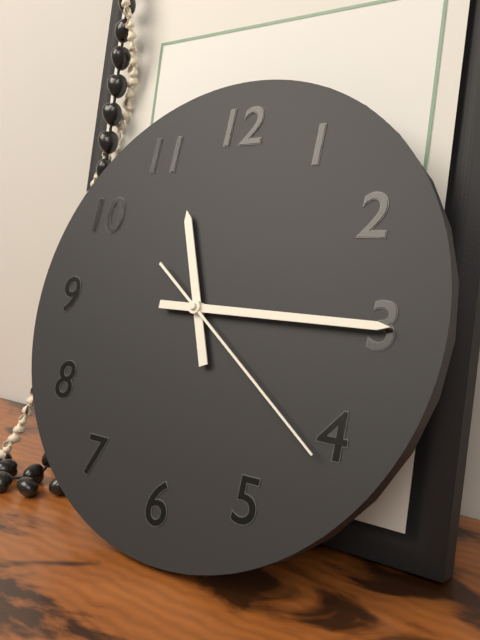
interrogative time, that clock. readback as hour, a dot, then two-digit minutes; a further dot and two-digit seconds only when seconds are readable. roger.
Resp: 11.15.21
